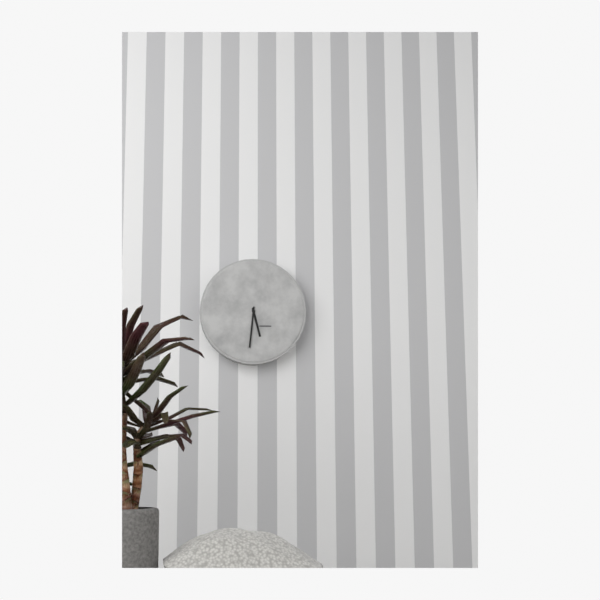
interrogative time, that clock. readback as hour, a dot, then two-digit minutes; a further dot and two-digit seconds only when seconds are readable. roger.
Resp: 5.31
